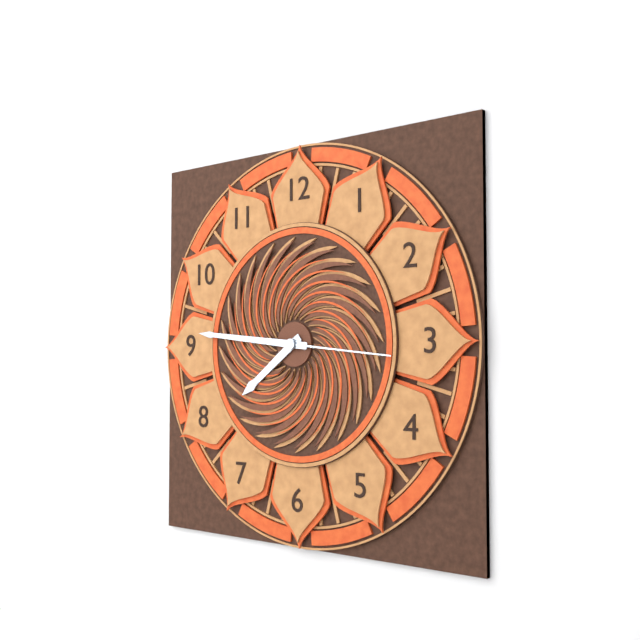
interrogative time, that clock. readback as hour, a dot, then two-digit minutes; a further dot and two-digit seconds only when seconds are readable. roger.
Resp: 7.46.16
